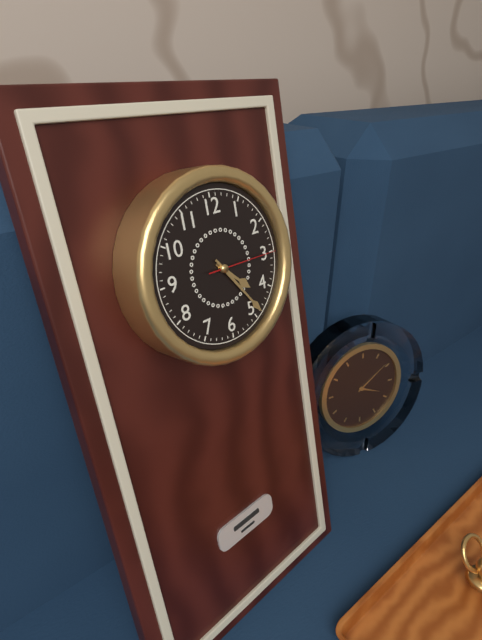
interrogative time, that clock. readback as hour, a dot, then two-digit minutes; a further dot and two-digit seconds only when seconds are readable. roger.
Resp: 4.24.15
